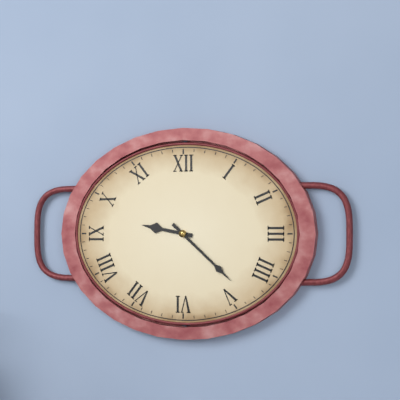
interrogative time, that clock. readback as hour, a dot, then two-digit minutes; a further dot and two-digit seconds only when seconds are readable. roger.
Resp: 9.22
